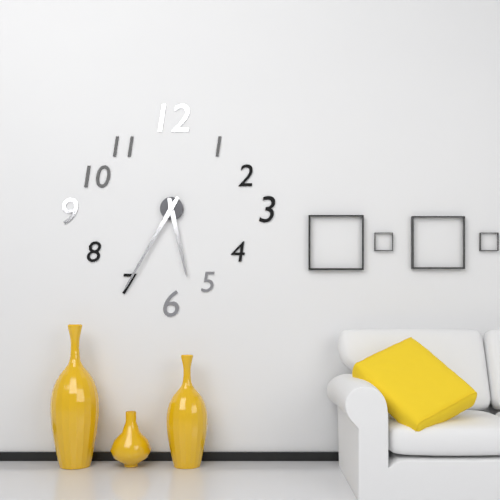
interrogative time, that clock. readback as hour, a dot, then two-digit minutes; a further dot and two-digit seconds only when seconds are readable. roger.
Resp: 5.35
